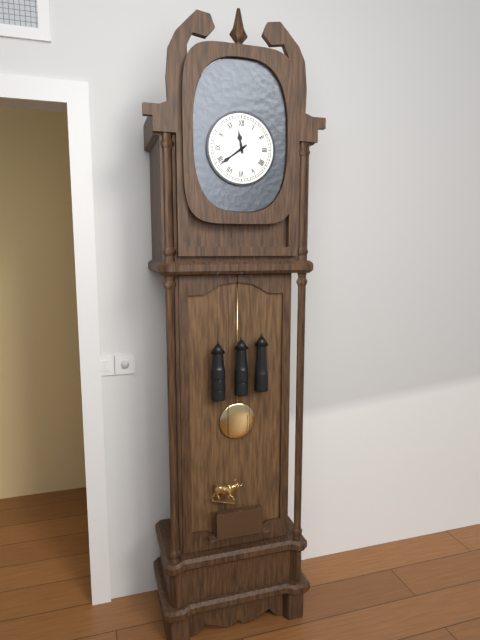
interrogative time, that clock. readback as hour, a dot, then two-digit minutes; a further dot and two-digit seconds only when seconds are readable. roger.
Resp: 11.39
